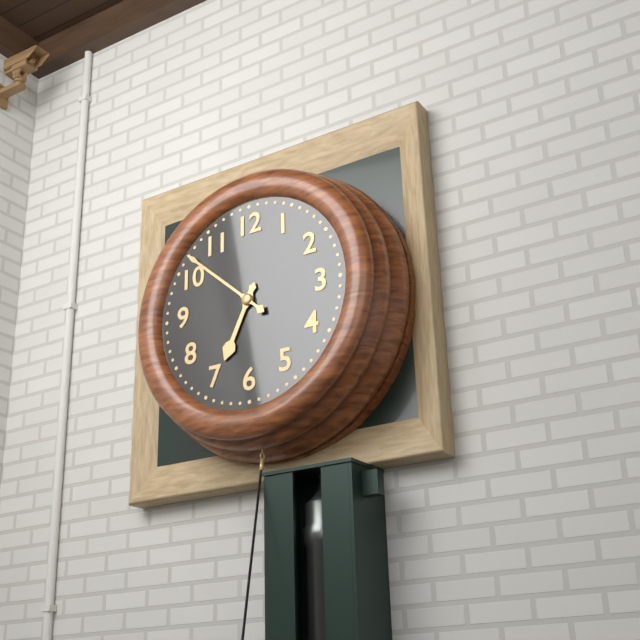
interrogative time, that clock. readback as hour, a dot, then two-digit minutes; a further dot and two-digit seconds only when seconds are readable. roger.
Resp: 6.52
